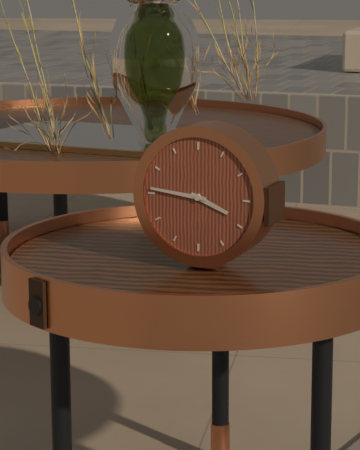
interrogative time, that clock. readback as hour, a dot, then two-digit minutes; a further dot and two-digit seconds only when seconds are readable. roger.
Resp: 3.46
